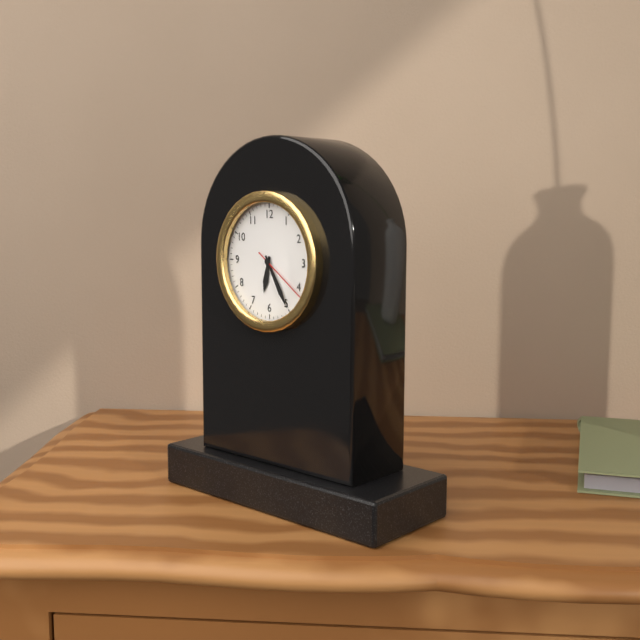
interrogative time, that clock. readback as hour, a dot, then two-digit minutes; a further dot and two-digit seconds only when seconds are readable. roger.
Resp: 6.25.21
